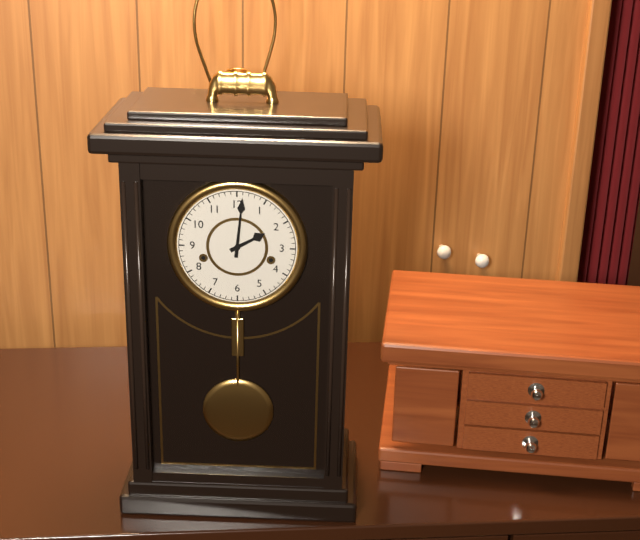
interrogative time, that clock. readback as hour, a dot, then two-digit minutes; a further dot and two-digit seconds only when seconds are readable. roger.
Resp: 2.01
